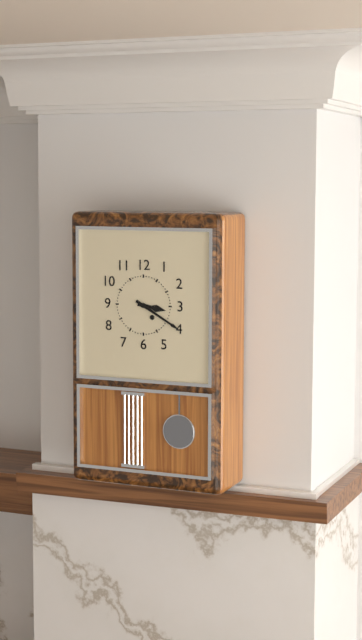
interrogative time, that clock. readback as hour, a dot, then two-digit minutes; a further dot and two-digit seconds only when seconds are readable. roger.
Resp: 3.20
